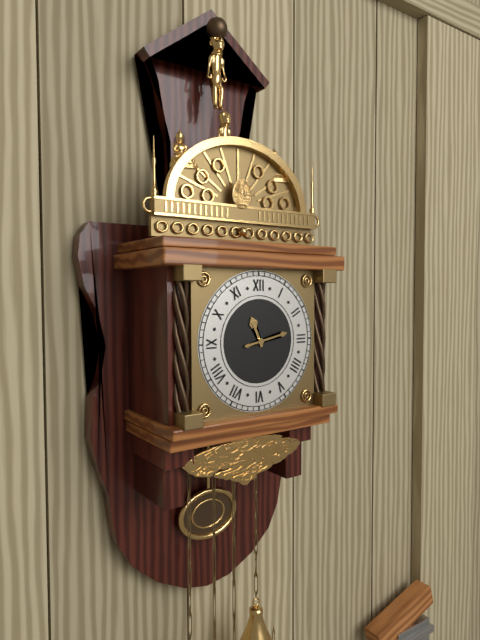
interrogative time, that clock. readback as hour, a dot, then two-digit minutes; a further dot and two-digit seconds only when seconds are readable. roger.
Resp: 11.13
